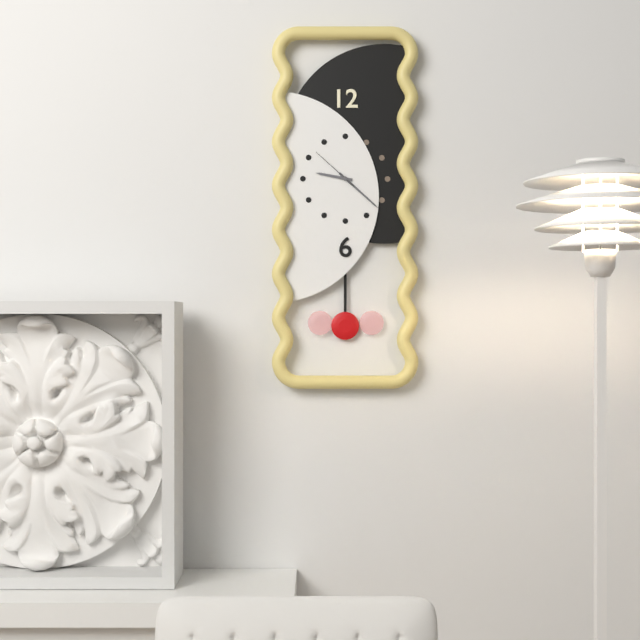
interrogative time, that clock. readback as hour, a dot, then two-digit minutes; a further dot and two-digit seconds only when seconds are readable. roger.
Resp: 9.22
